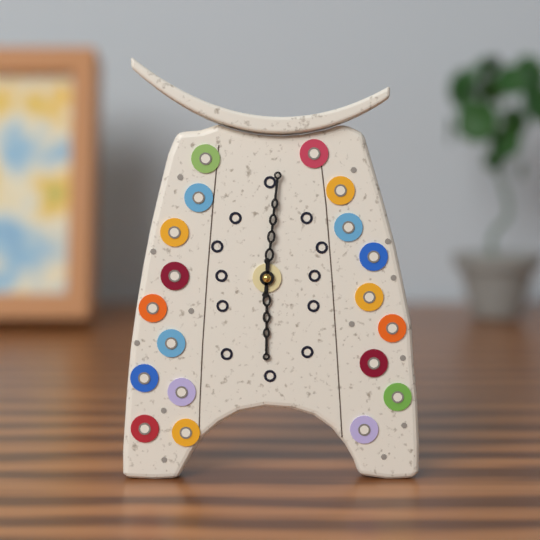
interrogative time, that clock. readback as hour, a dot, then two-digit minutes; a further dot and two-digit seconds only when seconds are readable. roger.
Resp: 6.01
